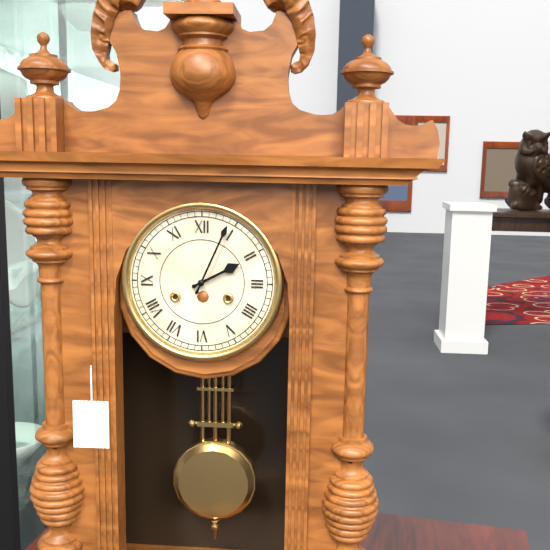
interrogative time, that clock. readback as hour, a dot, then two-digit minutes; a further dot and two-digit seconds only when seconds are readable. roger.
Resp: 2.04
